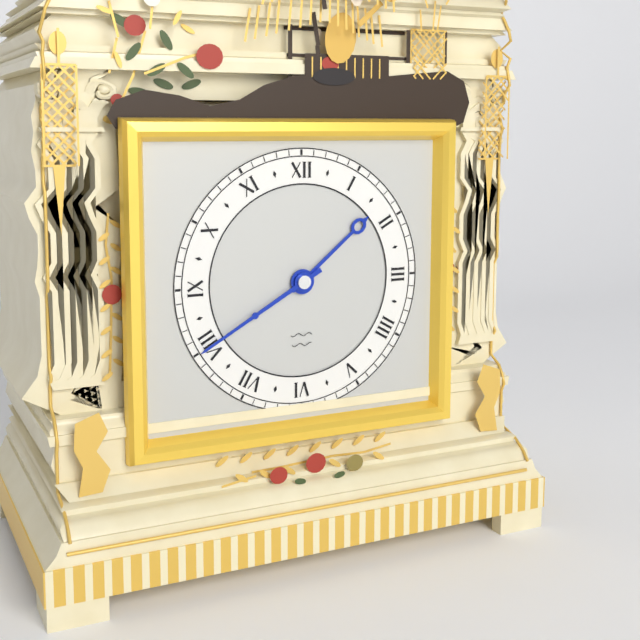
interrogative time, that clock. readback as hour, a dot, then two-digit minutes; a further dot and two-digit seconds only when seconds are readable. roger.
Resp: 1.40
